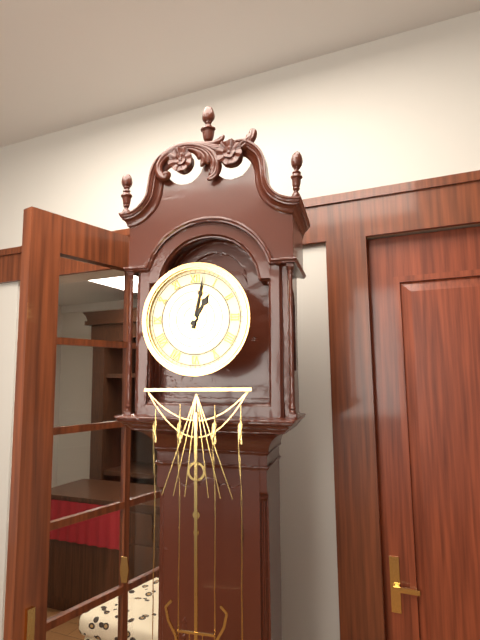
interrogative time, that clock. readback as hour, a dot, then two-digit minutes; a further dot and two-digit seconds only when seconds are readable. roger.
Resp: 1.02
